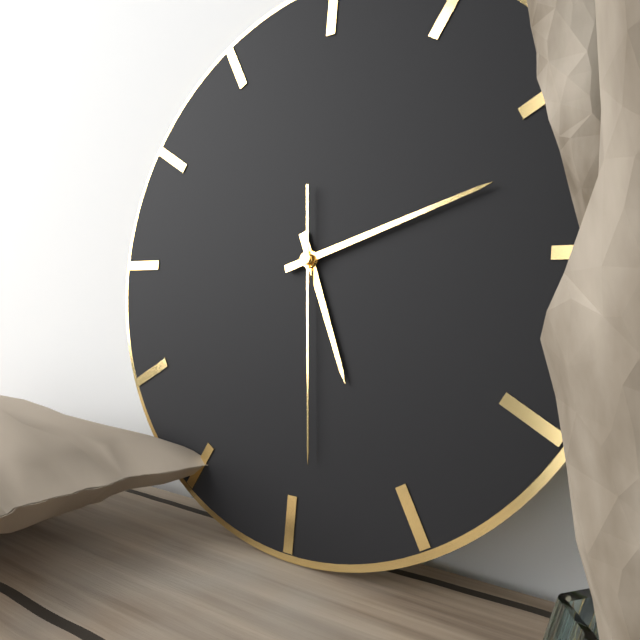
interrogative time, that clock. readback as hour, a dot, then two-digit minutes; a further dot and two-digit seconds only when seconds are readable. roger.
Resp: 5.12.29
